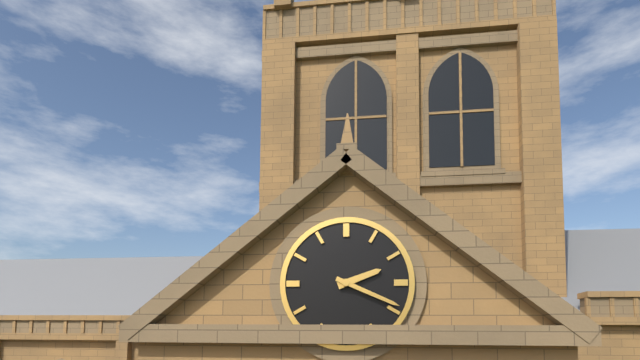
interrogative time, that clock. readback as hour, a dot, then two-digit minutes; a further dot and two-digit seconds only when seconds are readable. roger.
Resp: 2.19
